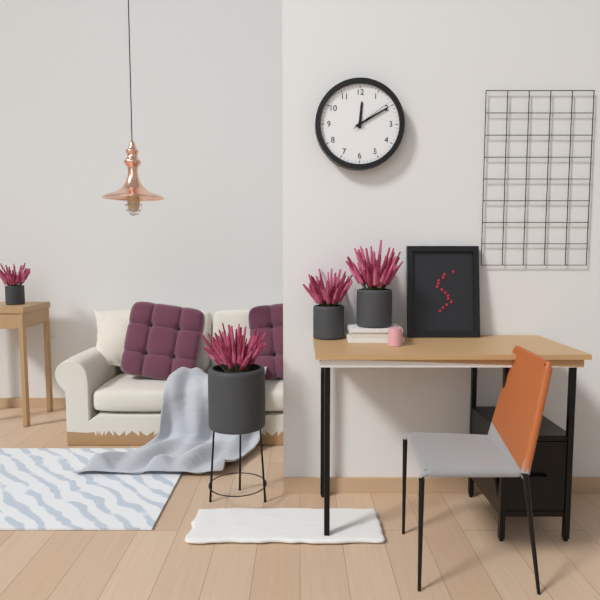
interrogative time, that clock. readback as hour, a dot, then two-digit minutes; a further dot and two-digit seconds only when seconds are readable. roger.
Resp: 12.10
